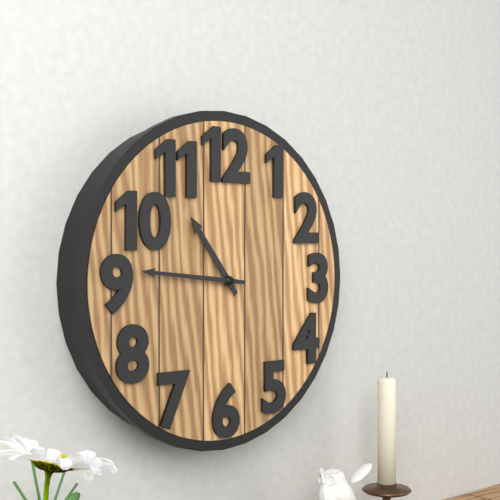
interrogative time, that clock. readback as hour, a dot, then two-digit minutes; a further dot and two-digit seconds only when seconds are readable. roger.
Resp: 10.46
